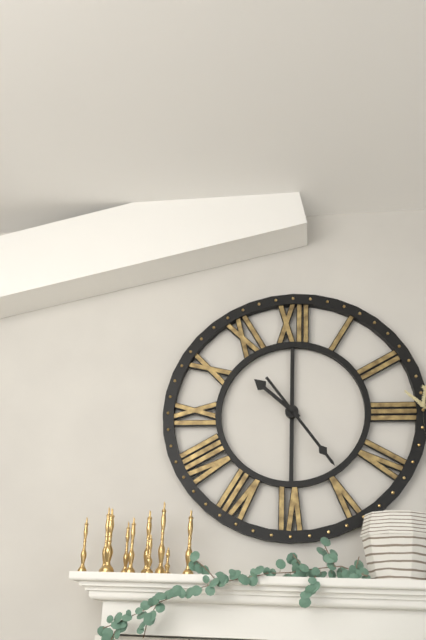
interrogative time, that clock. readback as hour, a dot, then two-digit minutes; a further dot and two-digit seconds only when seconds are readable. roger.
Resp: 10.24
